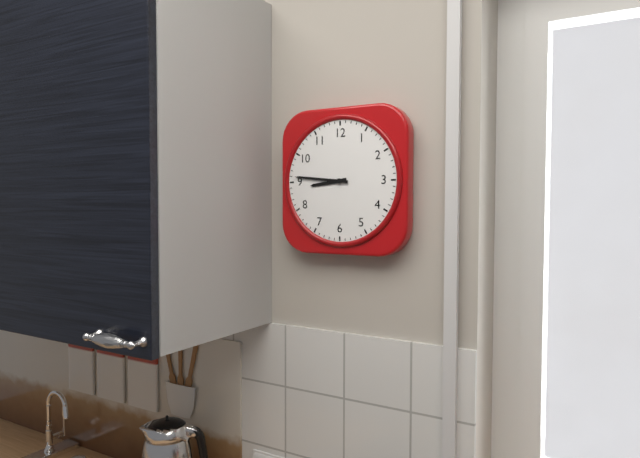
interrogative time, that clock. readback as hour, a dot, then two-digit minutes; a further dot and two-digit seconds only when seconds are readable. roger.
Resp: 8.46
